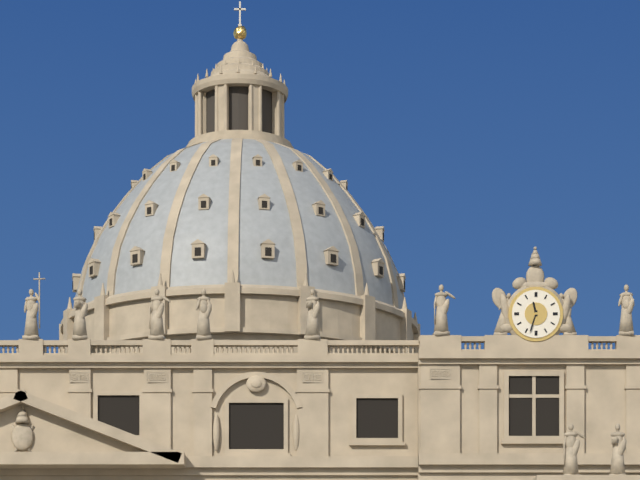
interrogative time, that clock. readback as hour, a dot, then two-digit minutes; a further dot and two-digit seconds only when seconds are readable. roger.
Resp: 11.33
